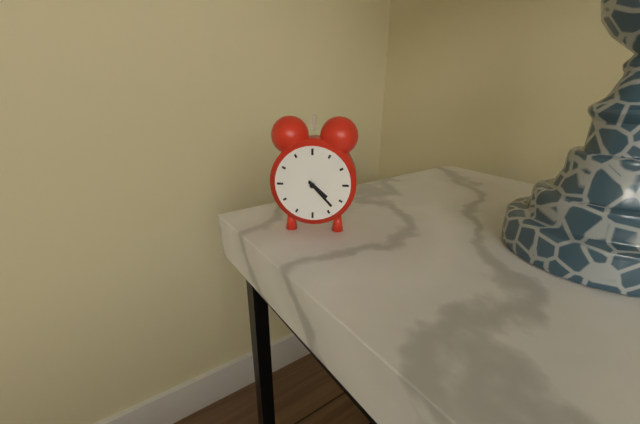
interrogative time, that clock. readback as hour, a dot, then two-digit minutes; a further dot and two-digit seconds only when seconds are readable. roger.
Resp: 4.23
